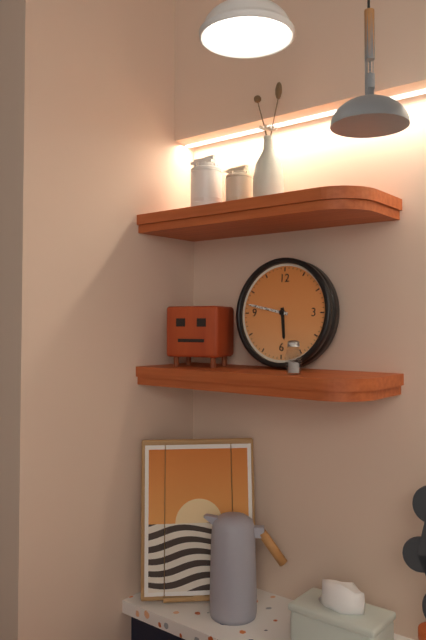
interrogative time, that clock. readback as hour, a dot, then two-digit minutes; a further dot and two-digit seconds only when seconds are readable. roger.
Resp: 5.47
